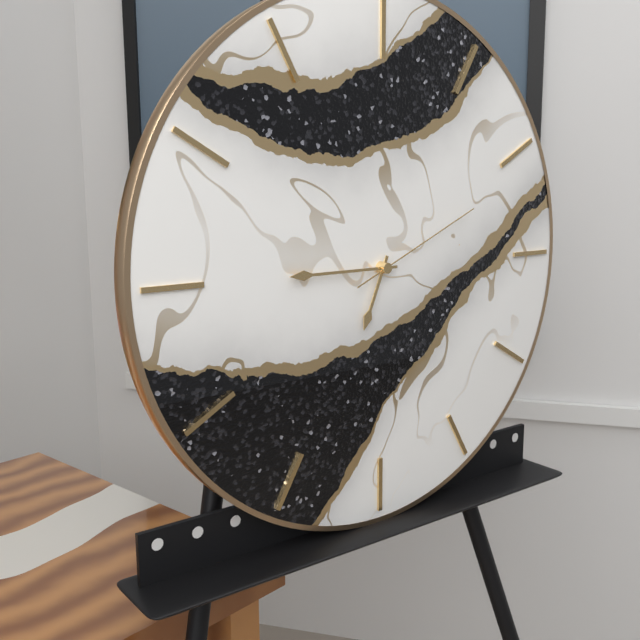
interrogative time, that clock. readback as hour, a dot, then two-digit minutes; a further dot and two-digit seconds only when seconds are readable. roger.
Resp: 6.45.11
